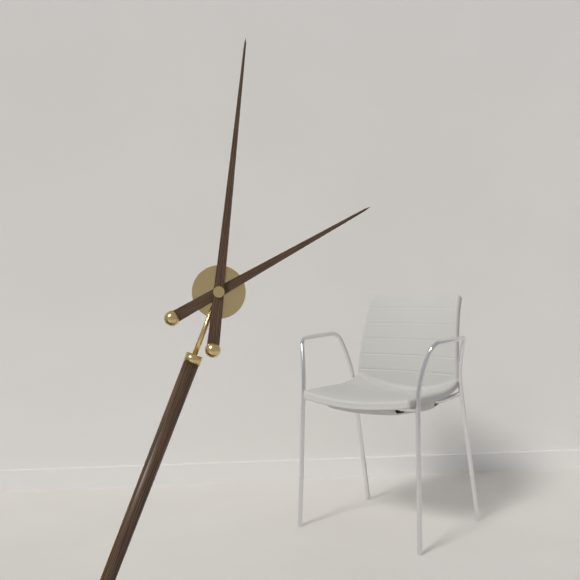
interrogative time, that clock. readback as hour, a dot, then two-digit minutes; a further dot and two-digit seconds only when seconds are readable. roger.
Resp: 2.01
